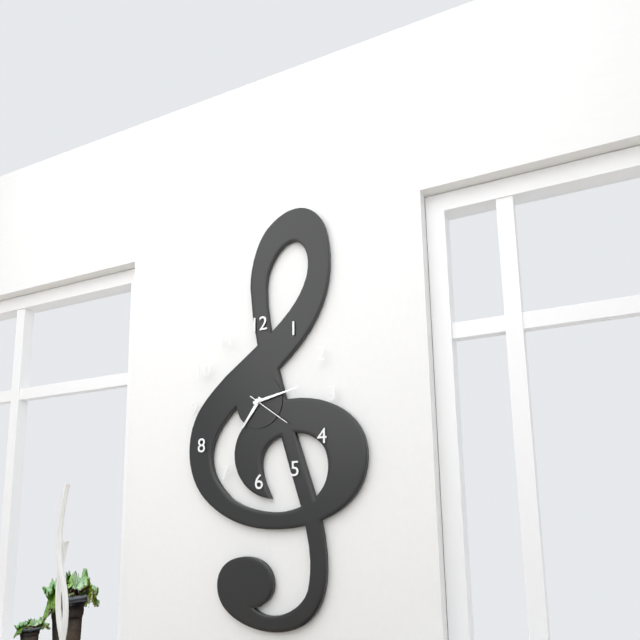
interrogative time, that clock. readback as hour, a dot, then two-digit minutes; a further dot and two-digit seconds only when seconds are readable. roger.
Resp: 7.13
